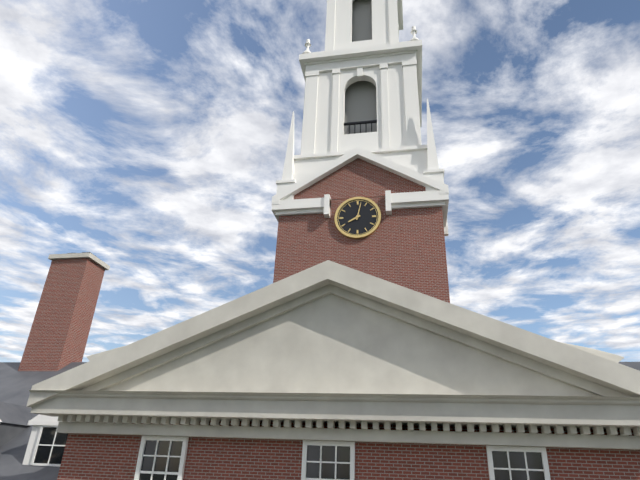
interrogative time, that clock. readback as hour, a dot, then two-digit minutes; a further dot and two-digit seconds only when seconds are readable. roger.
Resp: 8.02
